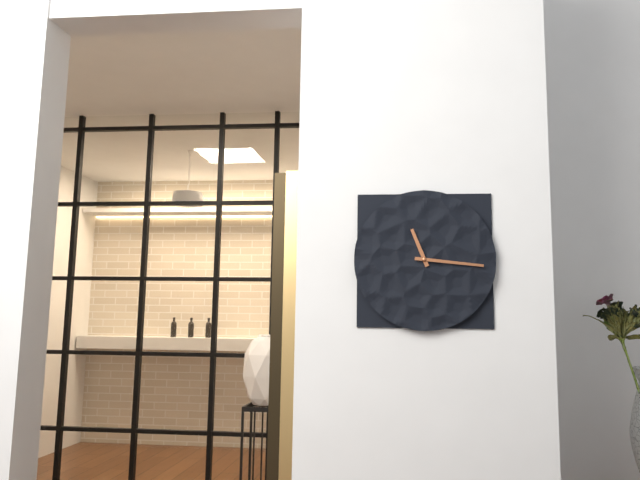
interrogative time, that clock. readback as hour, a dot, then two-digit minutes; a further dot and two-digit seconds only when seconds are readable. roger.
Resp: 11.16
